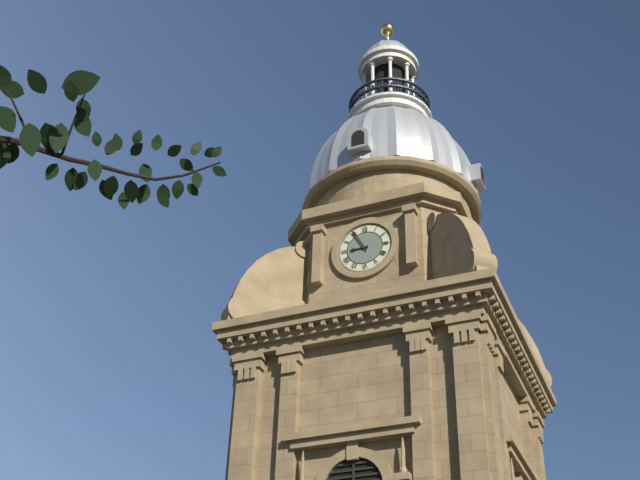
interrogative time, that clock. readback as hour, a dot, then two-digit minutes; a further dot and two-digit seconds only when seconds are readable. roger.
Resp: 8.55
